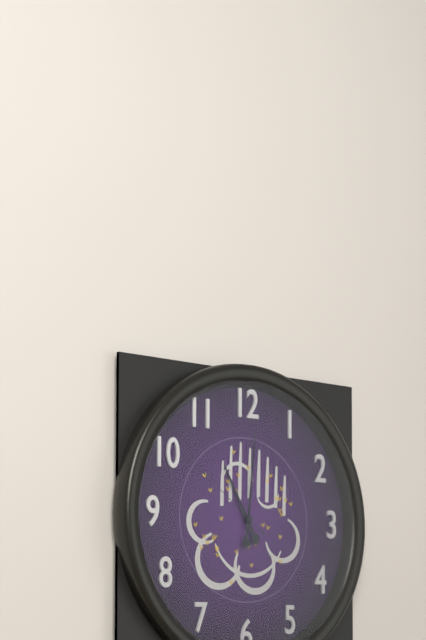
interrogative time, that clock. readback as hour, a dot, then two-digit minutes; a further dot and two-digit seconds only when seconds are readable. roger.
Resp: 11.01.51
